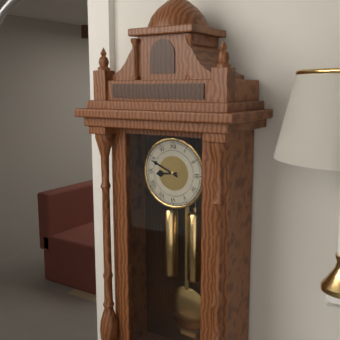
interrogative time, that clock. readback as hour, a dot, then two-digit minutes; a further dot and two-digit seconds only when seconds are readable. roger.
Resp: 8.49
